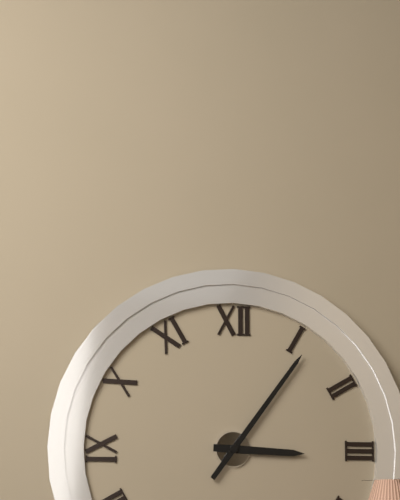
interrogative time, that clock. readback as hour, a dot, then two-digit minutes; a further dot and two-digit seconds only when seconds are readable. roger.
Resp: 3.06
